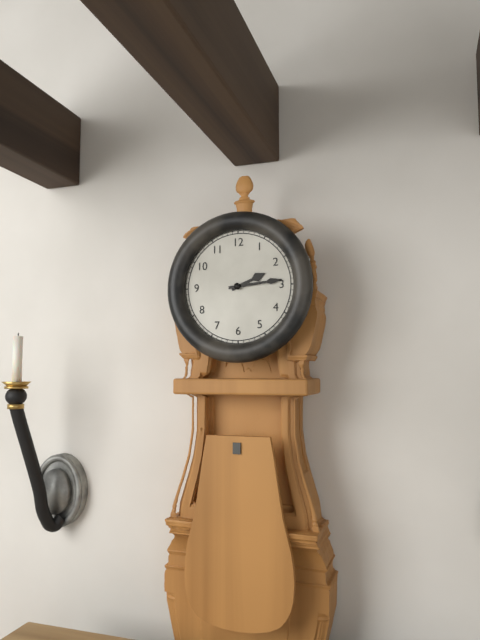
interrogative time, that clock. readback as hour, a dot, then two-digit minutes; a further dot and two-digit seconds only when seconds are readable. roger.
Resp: 2.14
